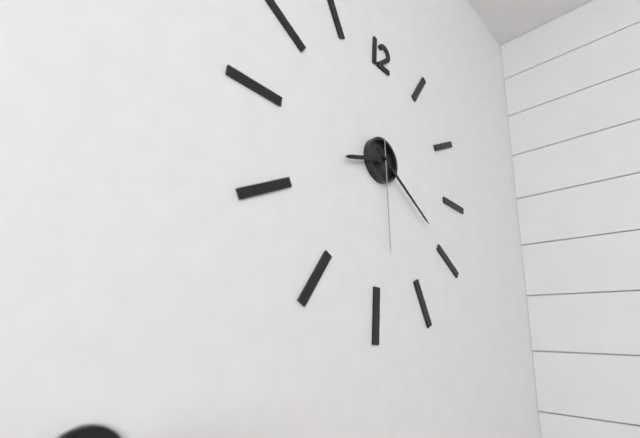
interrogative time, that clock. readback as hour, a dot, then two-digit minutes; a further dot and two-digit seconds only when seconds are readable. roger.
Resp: 8.20.29
